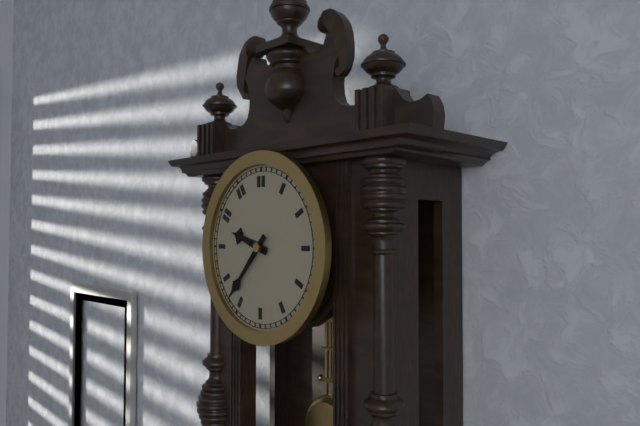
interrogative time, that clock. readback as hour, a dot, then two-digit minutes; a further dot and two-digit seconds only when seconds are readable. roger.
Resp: 9.37
